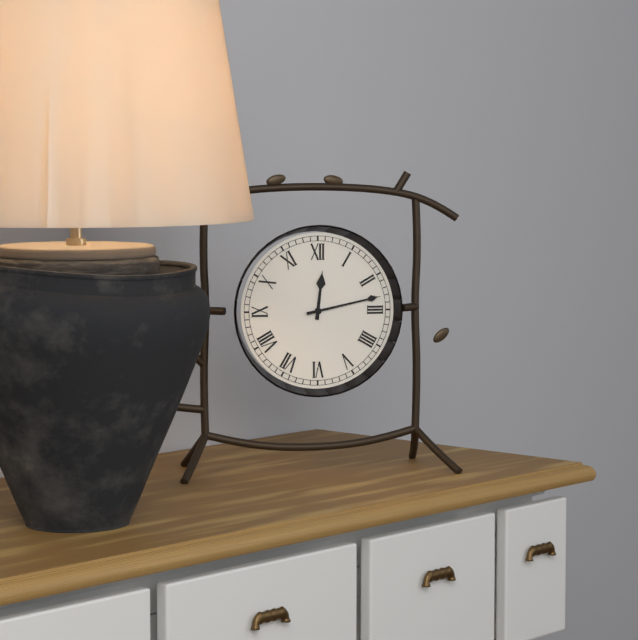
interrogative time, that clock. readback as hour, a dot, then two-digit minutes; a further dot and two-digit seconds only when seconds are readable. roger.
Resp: 12.13
